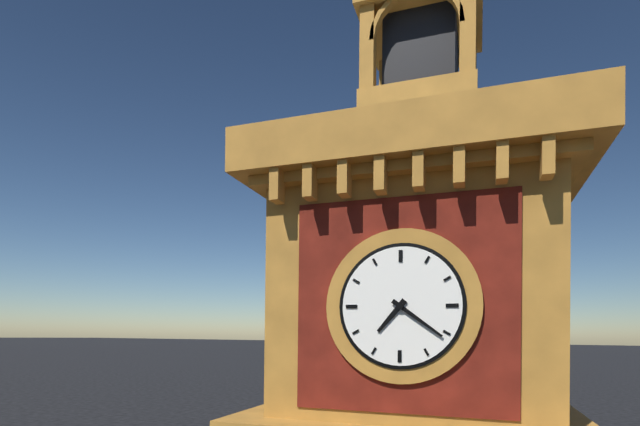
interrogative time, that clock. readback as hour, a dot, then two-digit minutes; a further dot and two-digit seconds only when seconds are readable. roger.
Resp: 7.21
